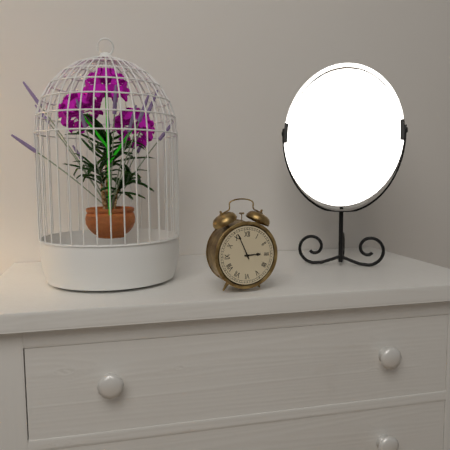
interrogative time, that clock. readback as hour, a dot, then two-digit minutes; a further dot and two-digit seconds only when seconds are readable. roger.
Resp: 2.56
